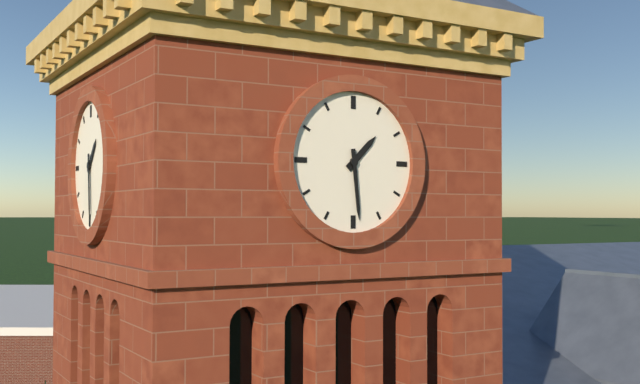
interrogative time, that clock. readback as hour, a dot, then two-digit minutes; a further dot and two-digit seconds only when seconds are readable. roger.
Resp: 1.29
